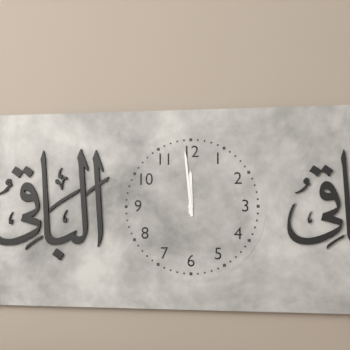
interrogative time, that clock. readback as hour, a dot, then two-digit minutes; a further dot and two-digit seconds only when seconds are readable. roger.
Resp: 11.59
